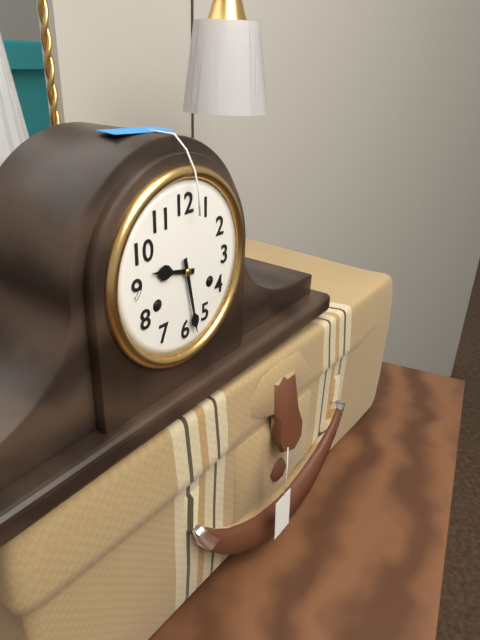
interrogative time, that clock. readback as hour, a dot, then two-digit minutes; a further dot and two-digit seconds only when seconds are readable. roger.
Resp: 9.28
